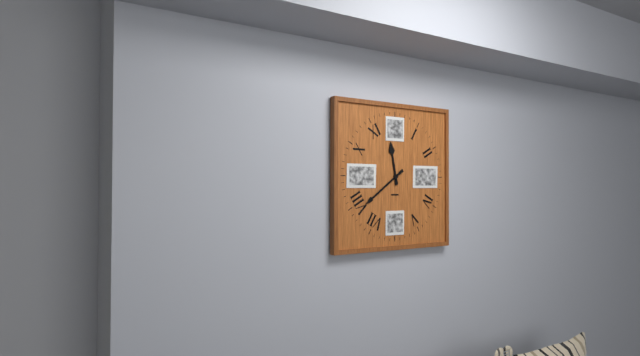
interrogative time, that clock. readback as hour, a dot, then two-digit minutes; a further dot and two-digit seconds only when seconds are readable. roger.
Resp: 11.39
